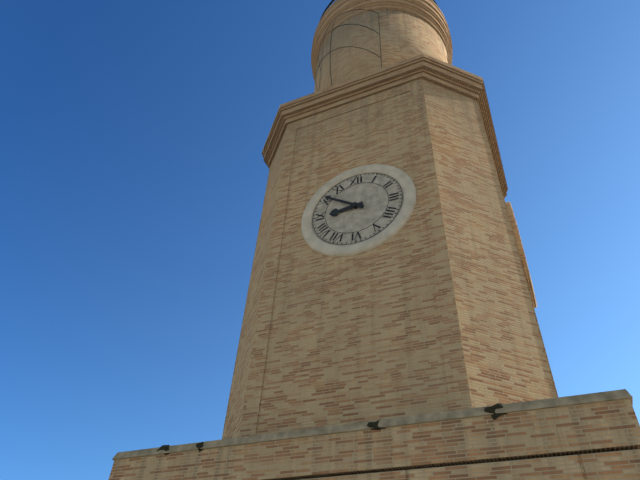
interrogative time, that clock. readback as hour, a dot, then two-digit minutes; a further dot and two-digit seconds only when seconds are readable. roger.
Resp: 8.51
